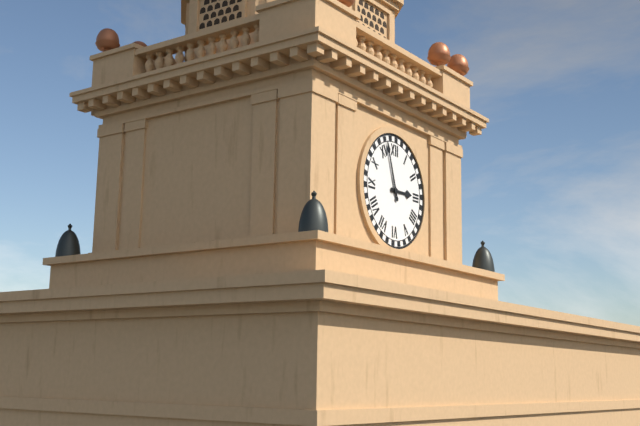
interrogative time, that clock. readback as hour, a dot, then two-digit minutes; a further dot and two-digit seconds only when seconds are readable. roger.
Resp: 2.57
